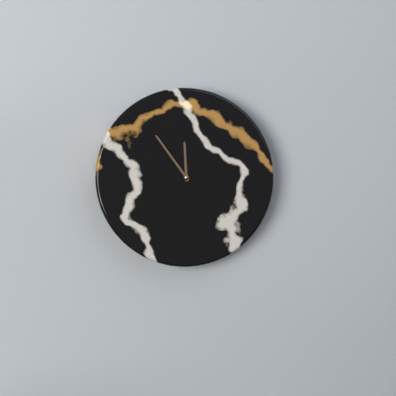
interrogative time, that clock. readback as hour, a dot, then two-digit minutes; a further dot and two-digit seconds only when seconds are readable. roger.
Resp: 11.54
